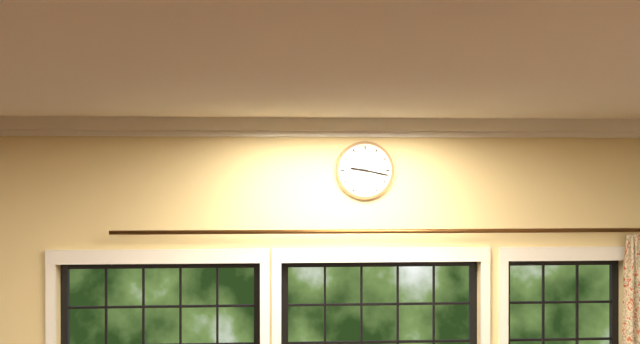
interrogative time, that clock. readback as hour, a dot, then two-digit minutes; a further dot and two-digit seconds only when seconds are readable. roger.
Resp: 9.17
